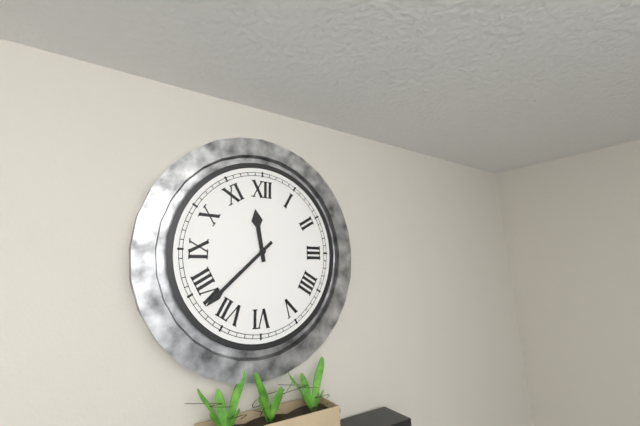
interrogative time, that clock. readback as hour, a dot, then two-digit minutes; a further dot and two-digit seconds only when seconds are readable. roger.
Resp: 11.38
